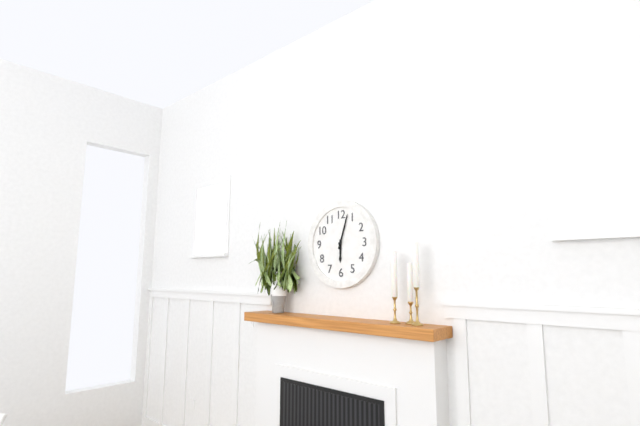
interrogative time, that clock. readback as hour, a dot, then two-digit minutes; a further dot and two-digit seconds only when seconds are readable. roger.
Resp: 6.03
